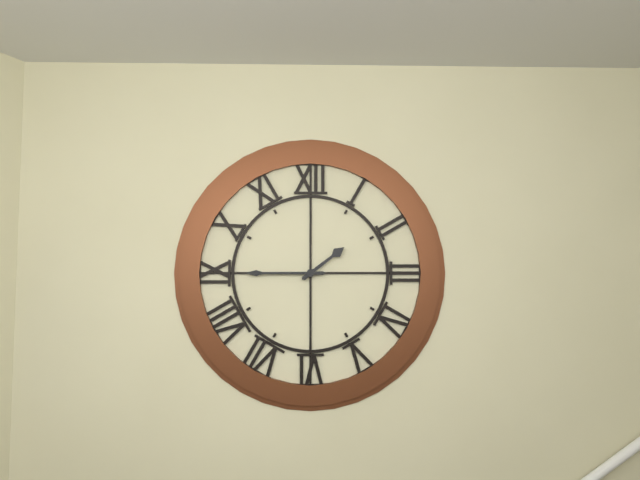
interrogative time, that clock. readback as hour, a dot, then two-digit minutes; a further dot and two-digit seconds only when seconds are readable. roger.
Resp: 1.45
